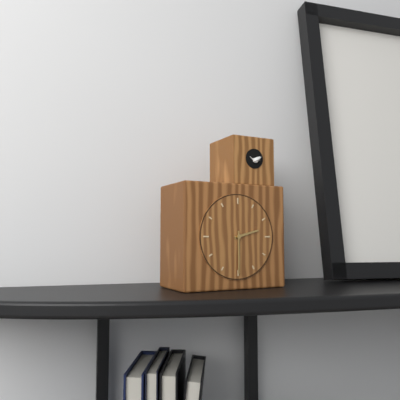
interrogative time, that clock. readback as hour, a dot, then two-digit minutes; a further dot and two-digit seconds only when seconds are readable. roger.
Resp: 2.30
